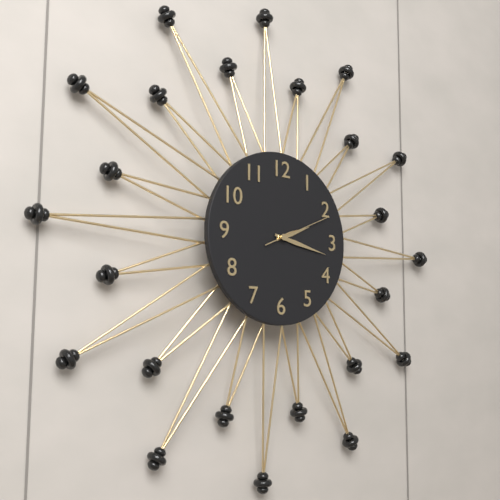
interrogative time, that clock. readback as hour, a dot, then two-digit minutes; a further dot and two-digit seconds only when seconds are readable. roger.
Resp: 2.17.11
